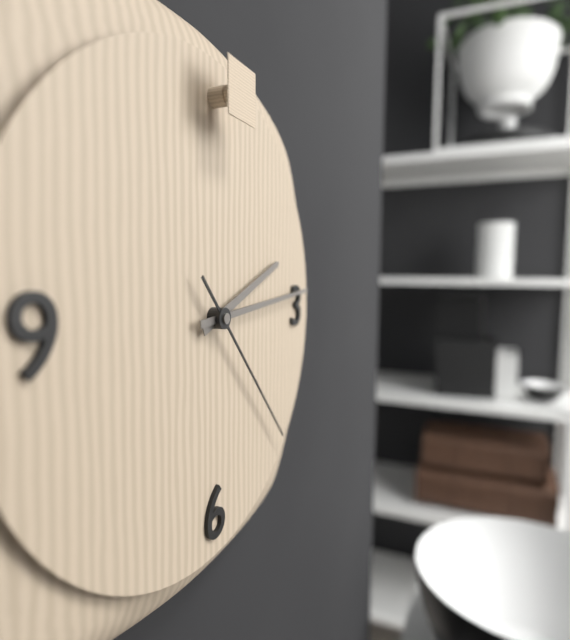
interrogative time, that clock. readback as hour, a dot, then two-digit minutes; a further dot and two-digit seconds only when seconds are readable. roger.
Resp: 2.14.23
